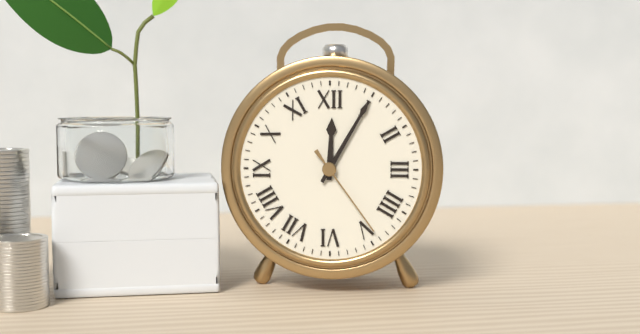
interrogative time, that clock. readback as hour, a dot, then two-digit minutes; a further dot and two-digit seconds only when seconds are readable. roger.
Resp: 12.05.24
